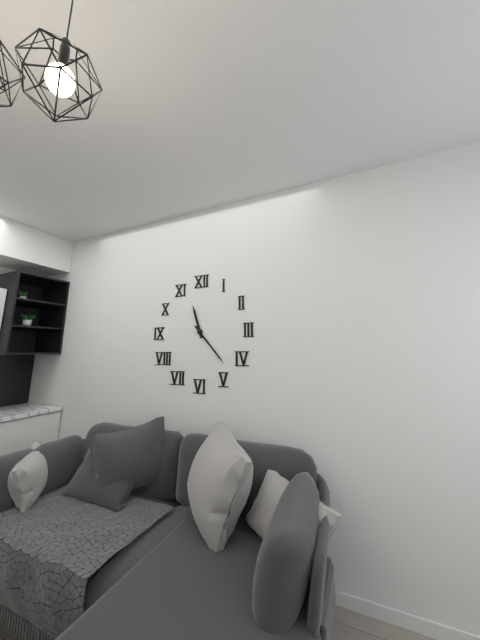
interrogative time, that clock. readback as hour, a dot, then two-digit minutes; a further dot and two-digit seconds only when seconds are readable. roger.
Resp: 11.23
